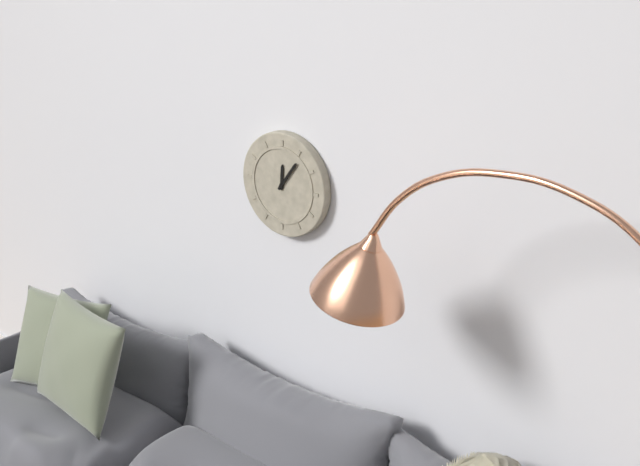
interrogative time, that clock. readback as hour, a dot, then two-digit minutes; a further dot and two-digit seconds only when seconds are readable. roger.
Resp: 12.06
